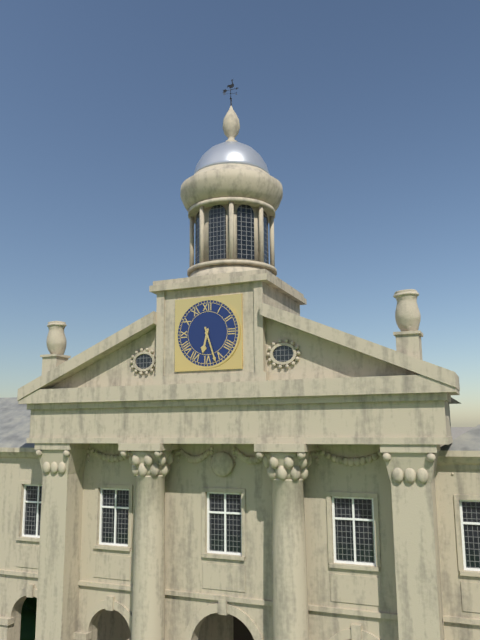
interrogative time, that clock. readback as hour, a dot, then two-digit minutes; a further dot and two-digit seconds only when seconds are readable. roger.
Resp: 6.27
